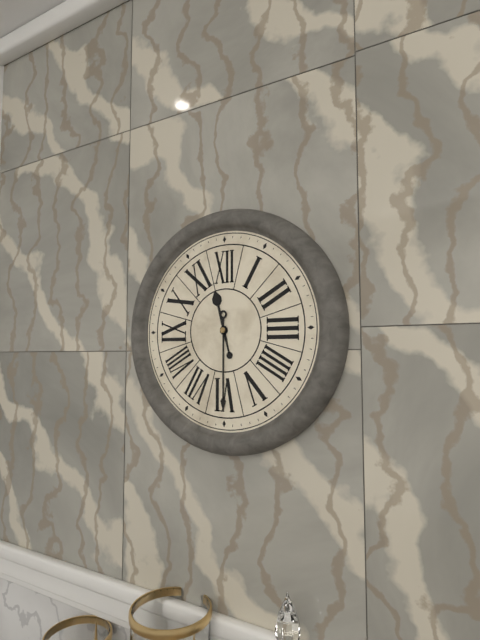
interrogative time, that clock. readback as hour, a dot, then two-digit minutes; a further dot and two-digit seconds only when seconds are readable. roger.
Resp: 11.30
